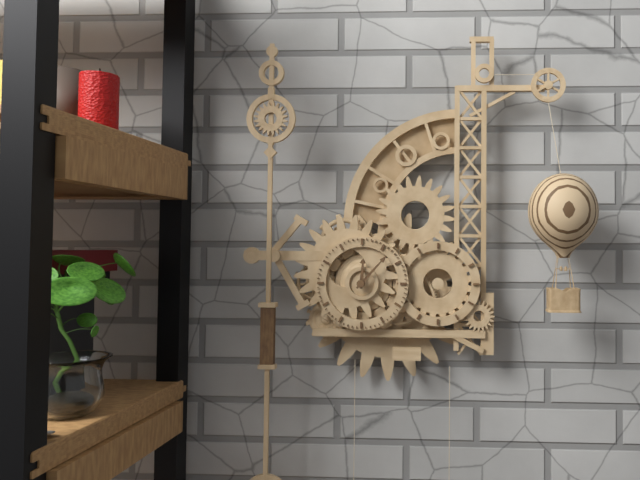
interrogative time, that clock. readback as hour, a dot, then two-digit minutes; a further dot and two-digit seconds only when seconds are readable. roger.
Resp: 12.07
